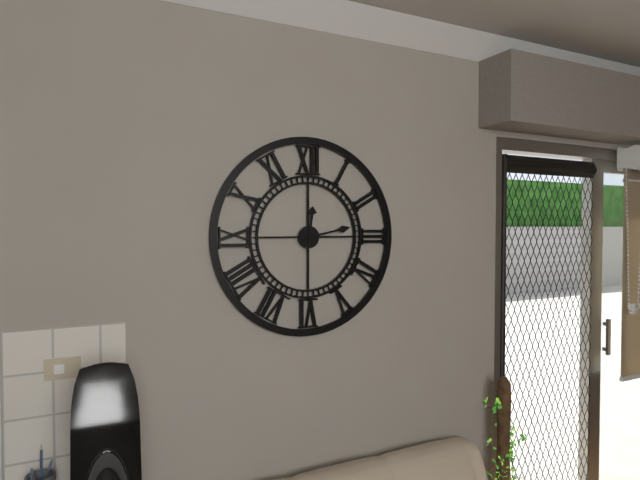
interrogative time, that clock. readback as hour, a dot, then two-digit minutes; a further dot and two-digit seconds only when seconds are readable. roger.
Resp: 12.13
